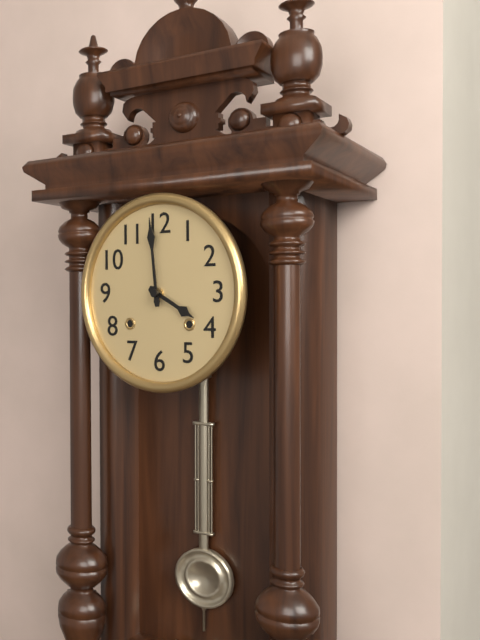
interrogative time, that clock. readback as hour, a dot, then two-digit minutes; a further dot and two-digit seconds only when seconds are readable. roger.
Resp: 3.59
